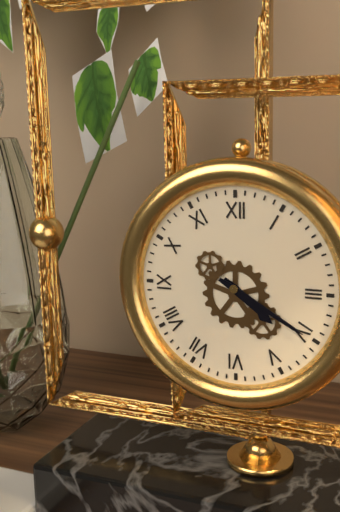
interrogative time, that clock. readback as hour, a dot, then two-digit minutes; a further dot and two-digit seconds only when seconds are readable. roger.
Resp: 4.20
